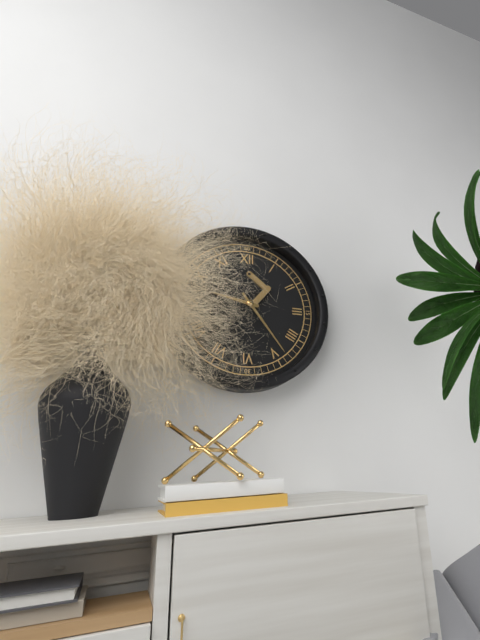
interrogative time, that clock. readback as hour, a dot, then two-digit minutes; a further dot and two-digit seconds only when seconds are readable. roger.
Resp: 9.24
